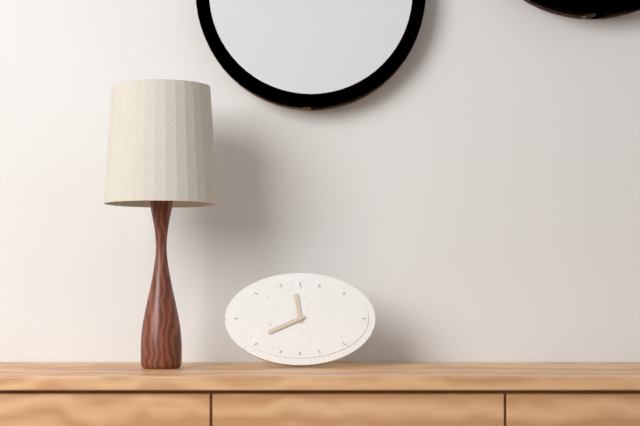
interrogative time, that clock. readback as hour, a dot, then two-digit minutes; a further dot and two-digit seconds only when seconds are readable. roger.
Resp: 11.41
